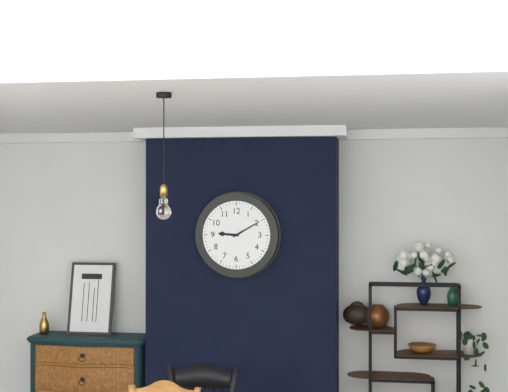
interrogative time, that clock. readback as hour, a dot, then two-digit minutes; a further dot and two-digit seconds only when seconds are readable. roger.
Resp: 9.10
